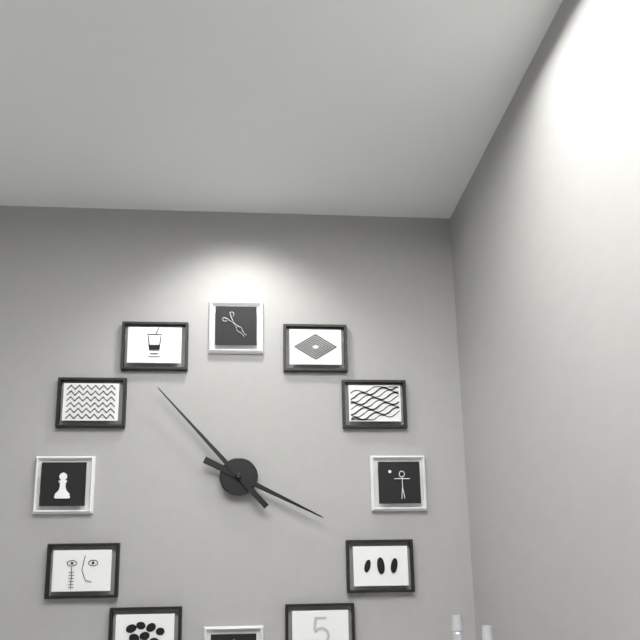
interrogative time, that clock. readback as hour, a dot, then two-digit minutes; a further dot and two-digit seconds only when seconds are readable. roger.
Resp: 3.53
